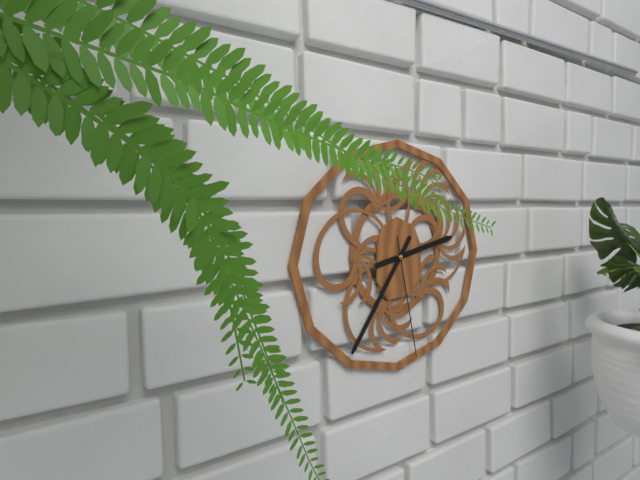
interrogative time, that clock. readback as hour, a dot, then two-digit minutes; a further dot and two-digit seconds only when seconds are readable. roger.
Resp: 2.36.28
